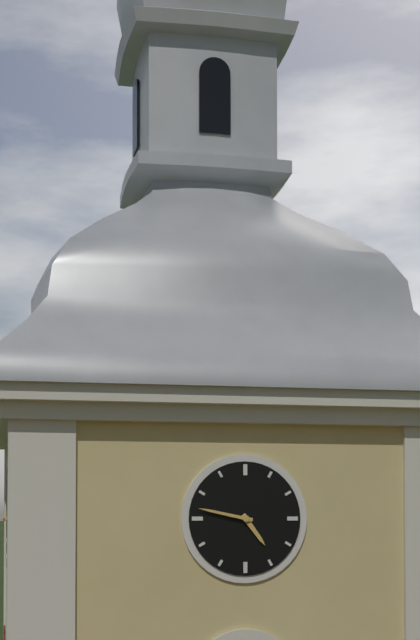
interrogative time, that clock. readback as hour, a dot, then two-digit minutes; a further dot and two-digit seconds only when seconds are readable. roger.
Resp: 4.47
